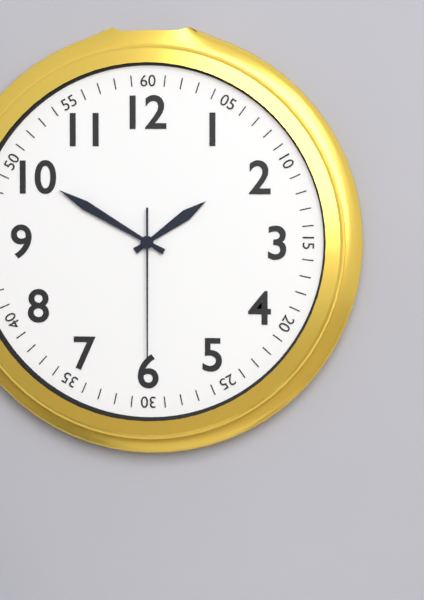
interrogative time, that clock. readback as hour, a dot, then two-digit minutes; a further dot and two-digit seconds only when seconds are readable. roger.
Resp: 1.50.30
